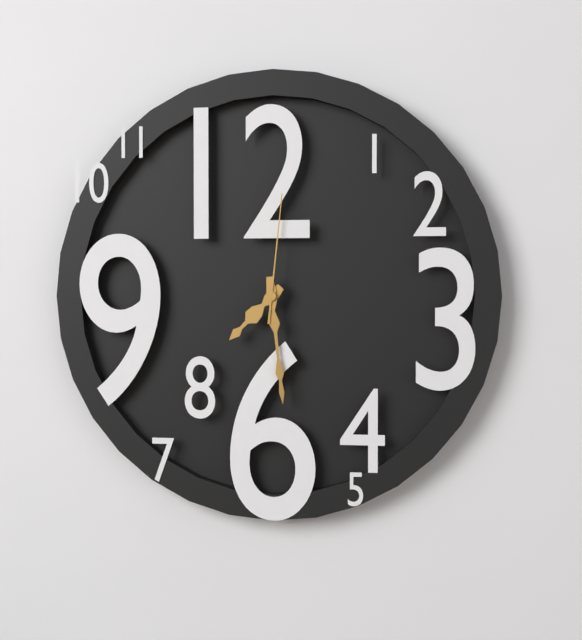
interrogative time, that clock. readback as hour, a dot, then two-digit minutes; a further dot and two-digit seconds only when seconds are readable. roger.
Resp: 7.29.01
